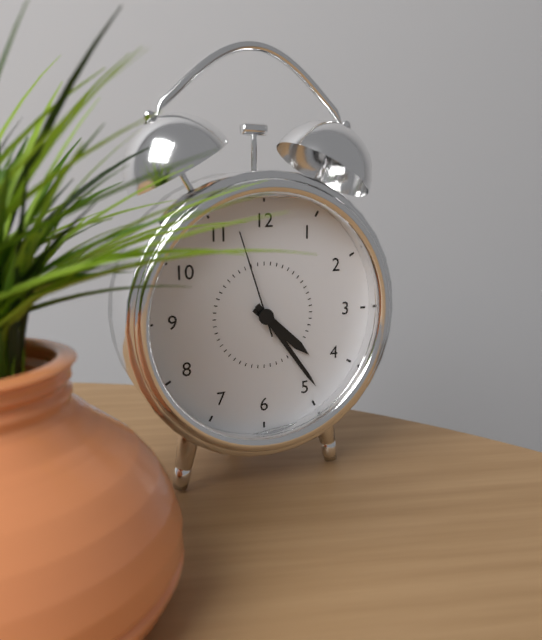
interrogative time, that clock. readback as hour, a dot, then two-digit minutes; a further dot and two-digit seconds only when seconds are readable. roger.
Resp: 4.24.57
